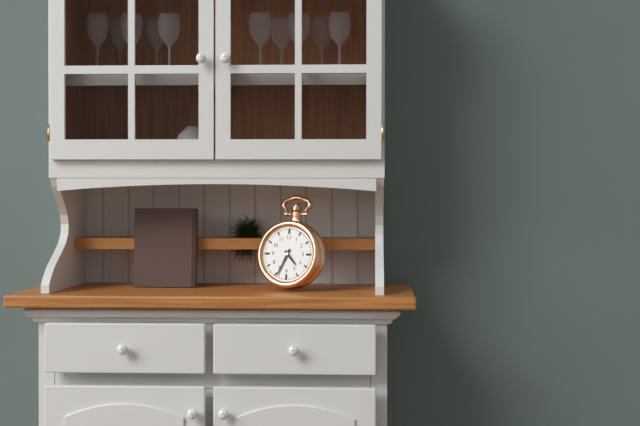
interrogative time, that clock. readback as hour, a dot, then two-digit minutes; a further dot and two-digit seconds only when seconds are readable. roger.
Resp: 4.34
